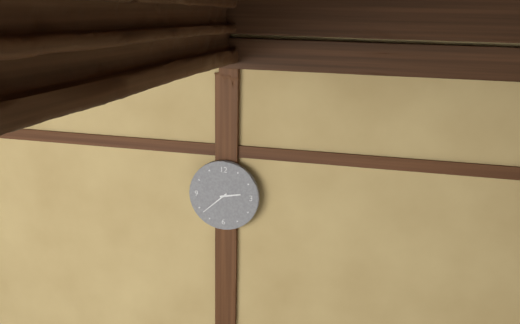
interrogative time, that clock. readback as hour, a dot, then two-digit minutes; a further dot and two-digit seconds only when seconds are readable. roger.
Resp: 2.38
